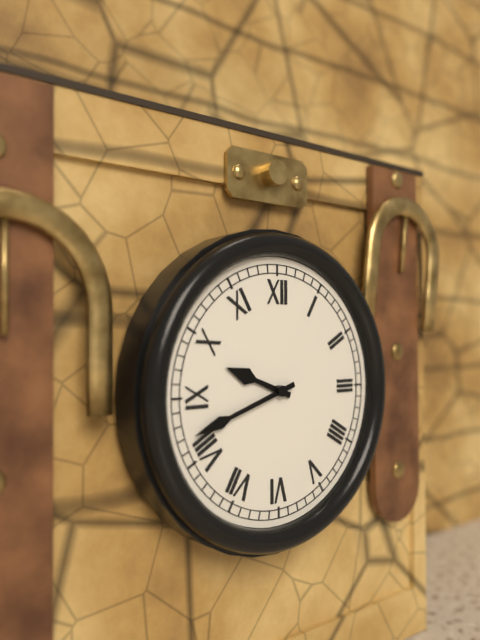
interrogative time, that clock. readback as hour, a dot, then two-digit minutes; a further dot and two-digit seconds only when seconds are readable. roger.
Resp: 9.42
